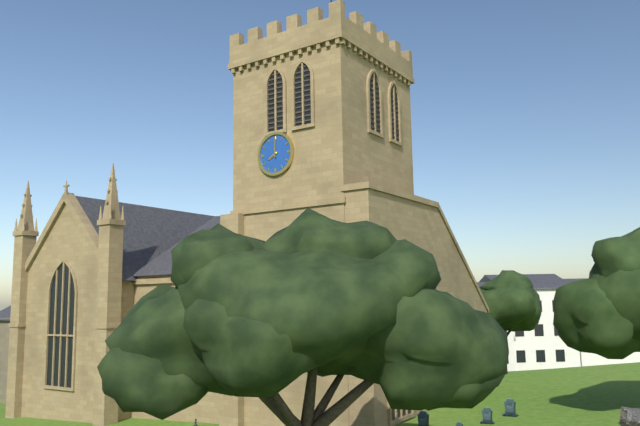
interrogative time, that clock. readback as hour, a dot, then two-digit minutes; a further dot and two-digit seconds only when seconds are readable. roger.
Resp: 8.00
